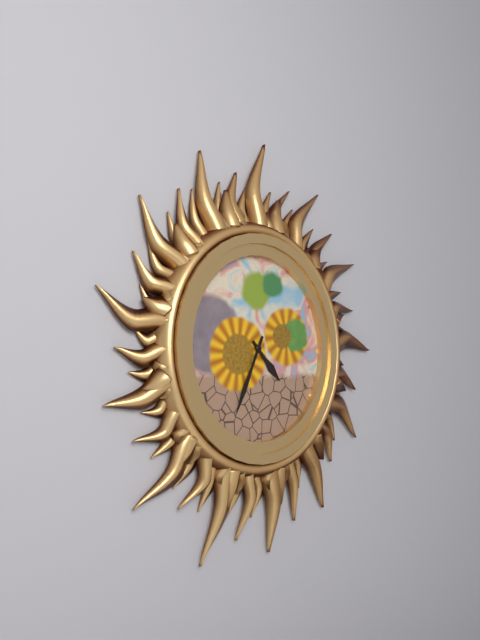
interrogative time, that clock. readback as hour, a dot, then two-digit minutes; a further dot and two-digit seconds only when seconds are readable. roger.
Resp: 4.34
